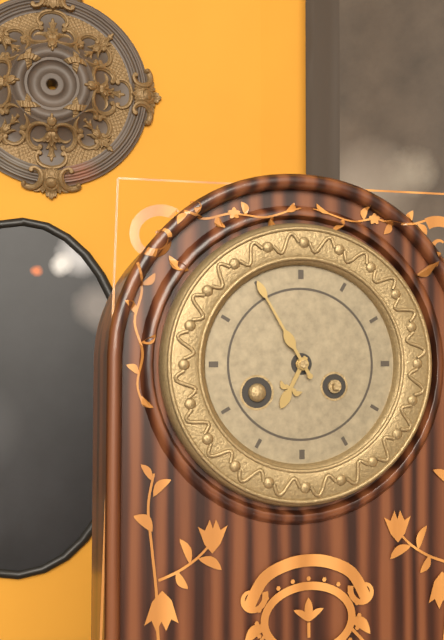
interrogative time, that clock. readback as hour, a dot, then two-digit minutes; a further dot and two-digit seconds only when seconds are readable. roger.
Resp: 6.55
